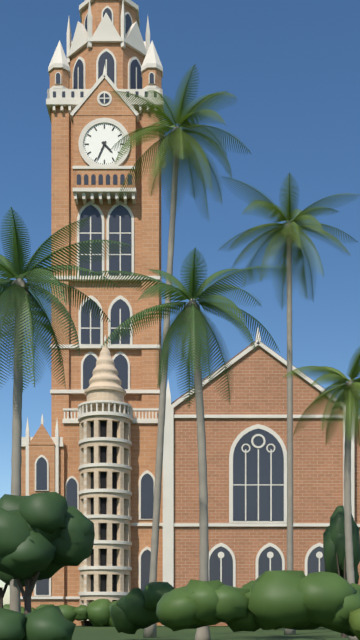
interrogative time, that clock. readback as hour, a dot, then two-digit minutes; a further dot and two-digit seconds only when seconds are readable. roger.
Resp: 4.34
